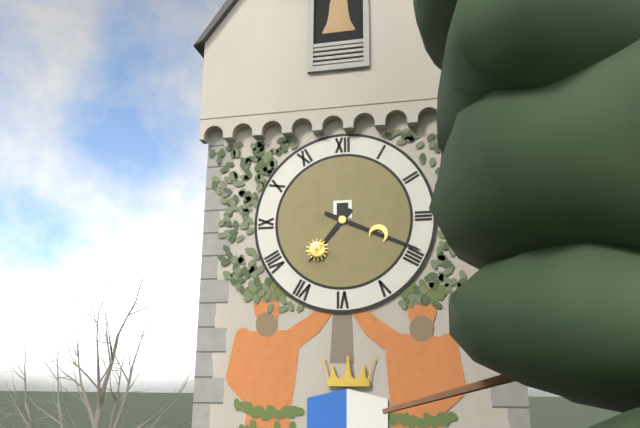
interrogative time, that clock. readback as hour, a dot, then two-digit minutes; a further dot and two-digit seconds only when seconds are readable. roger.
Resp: 7.19
